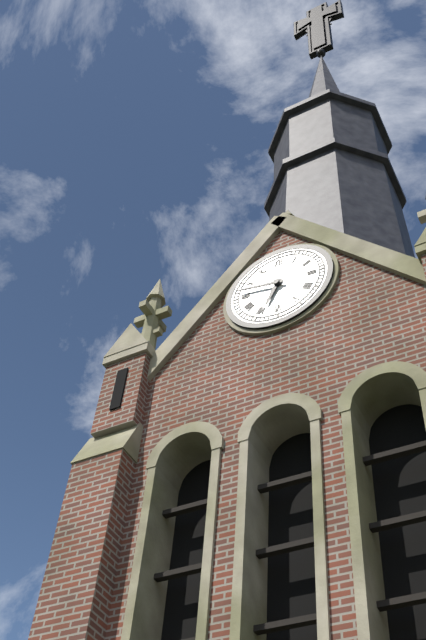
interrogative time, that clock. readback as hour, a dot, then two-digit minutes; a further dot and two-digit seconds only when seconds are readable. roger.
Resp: 6.47
